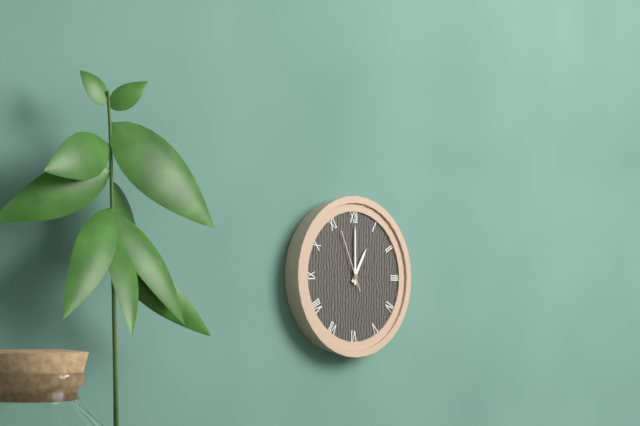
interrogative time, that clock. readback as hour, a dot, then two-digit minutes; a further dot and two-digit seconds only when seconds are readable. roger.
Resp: 1.00.56
